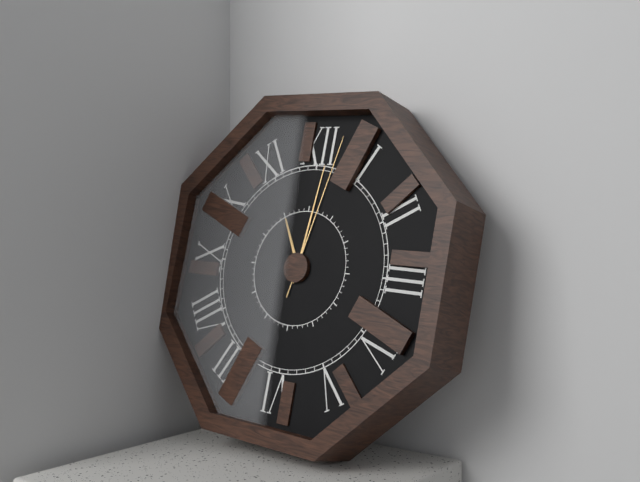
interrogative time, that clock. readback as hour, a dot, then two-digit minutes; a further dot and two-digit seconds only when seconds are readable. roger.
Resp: 11.01.02
